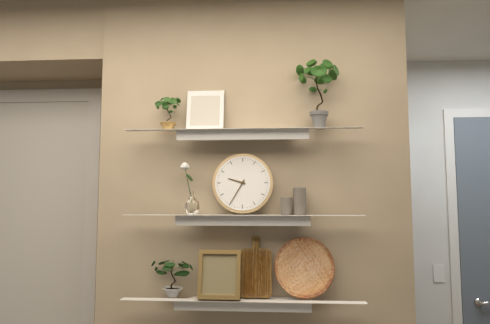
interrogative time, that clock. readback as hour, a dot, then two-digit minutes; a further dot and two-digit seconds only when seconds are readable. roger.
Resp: 9.35
